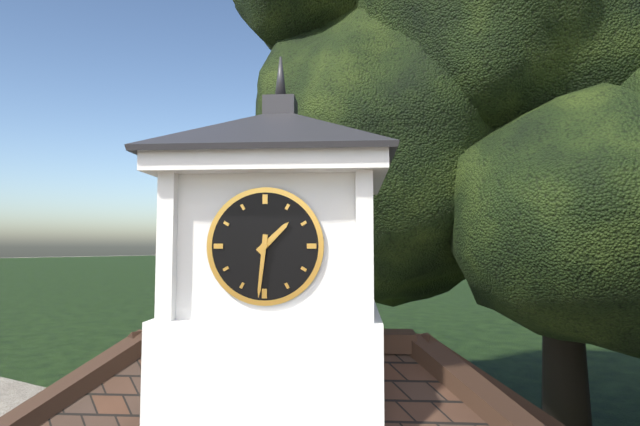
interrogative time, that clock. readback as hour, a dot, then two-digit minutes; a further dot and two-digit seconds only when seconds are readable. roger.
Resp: 1.31
